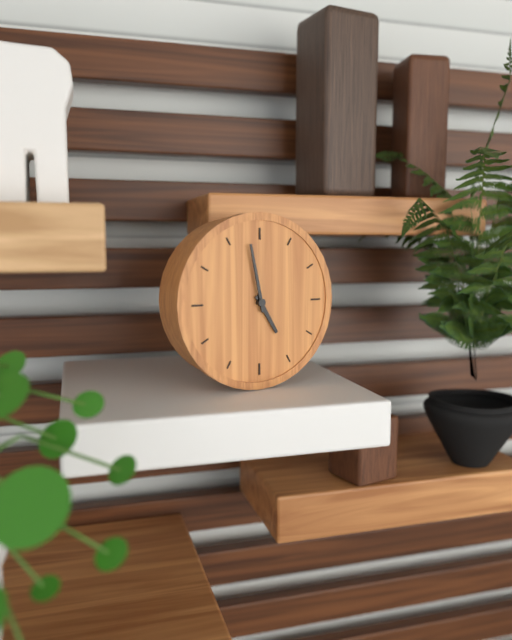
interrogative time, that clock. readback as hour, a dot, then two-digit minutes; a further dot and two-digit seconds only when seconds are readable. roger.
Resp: 4.58
